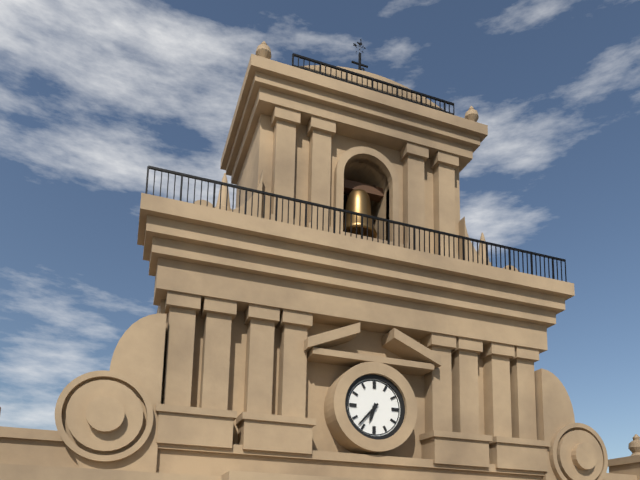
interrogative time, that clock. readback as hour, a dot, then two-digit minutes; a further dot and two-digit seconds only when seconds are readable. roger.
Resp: 6.37
